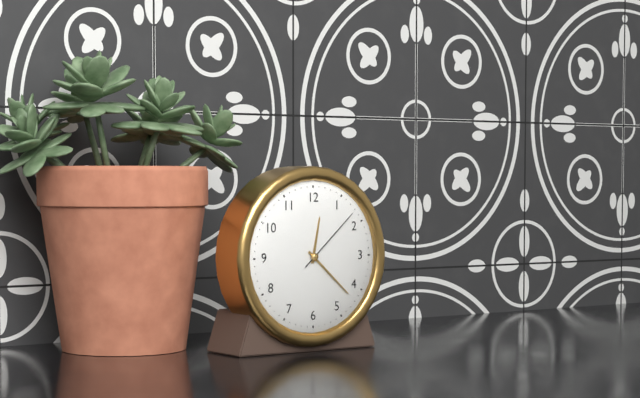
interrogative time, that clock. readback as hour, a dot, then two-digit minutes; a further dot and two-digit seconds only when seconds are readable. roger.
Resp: 12.22.08
